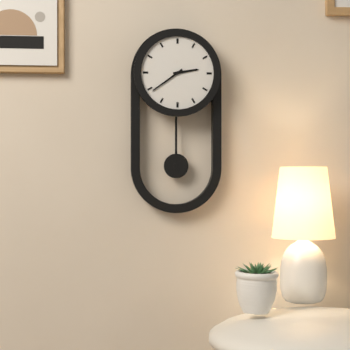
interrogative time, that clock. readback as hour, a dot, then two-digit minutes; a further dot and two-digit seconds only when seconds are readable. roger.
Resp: 2.39
